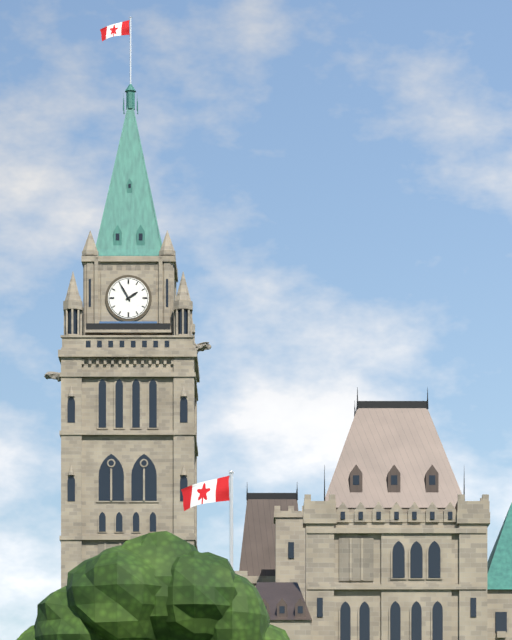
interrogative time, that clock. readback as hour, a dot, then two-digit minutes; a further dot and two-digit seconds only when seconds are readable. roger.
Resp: 1.55
